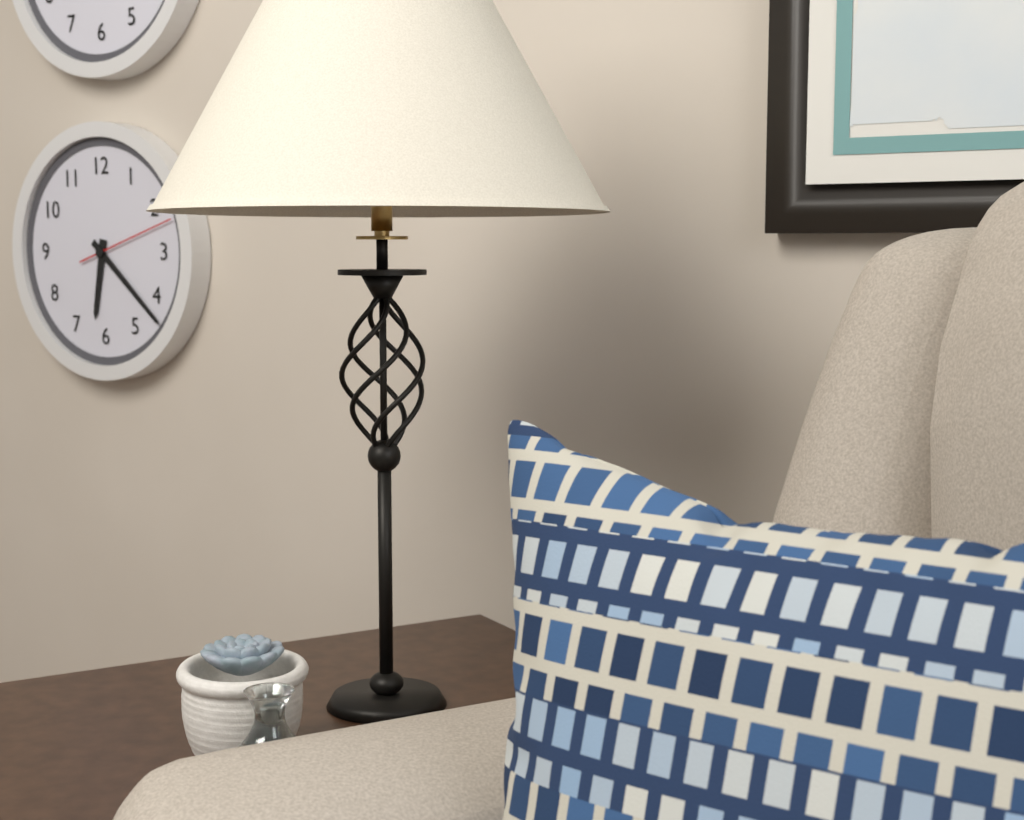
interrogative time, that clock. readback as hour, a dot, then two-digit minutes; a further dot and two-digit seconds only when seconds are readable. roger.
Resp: 6.22.12
